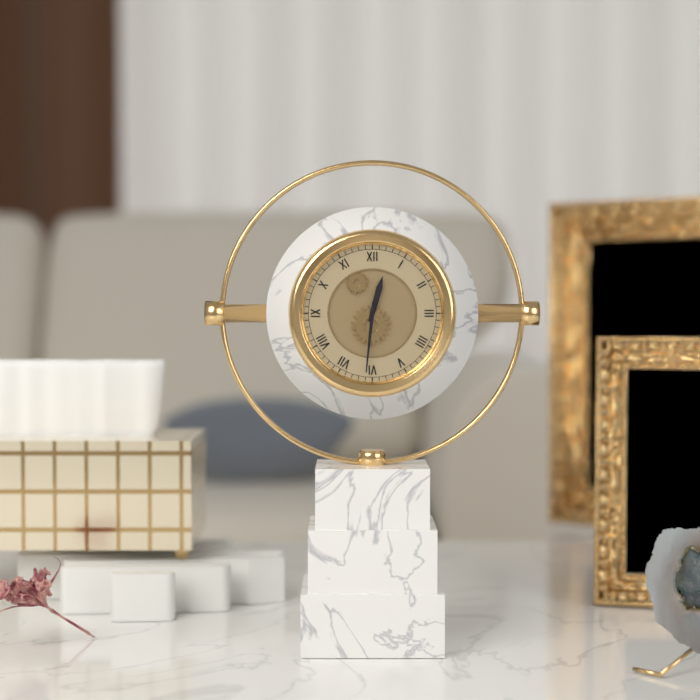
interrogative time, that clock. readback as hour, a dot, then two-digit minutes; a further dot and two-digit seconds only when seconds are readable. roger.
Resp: 12.31
